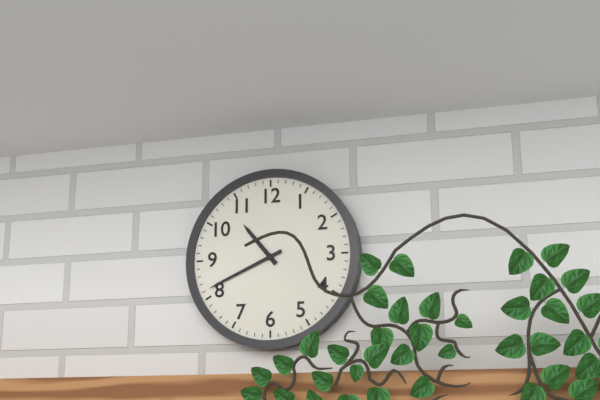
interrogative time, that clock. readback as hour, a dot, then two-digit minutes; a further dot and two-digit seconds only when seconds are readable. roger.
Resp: 10.41
